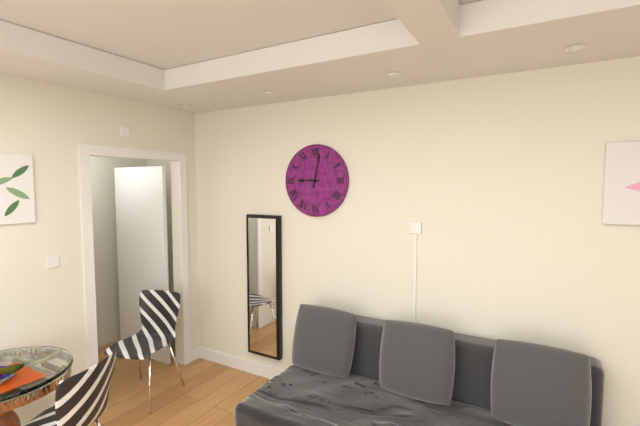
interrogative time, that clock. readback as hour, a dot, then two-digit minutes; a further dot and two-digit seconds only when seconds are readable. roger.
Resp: 9.02
